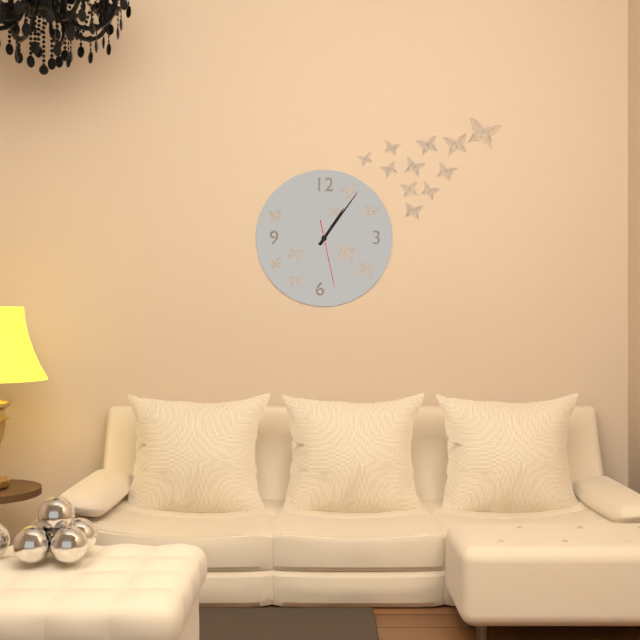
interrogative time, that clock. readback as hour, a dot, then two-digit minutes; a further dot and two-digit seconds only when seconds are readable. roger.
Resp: 1.06.28
